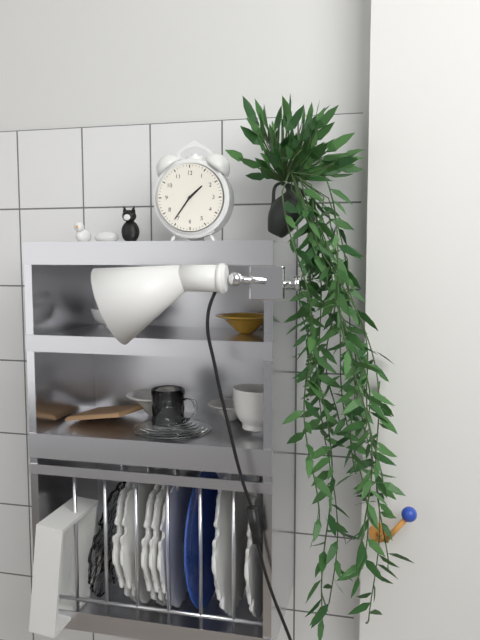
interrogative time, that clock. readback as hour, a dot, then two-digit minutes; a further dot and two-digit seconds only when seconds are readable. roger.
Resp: 1.36
